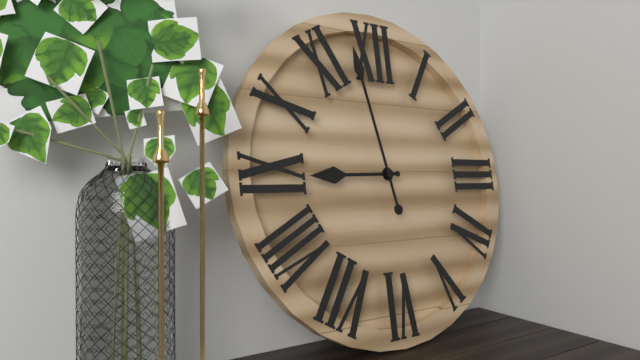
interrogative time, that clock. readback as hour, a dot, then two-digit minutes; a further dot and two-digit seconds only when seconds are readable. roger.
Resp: 8.58
